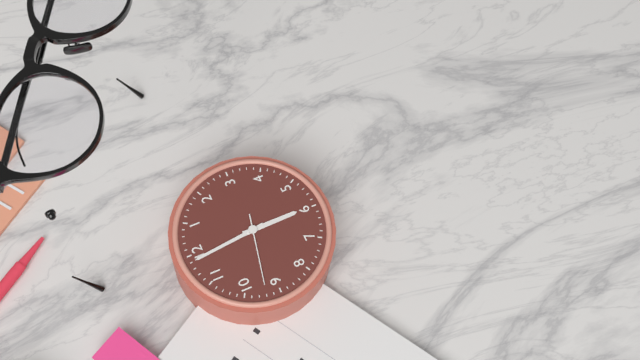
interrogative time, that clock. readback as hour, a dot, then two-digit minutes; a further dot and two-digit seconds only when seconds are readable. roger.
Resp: 5.59.47
